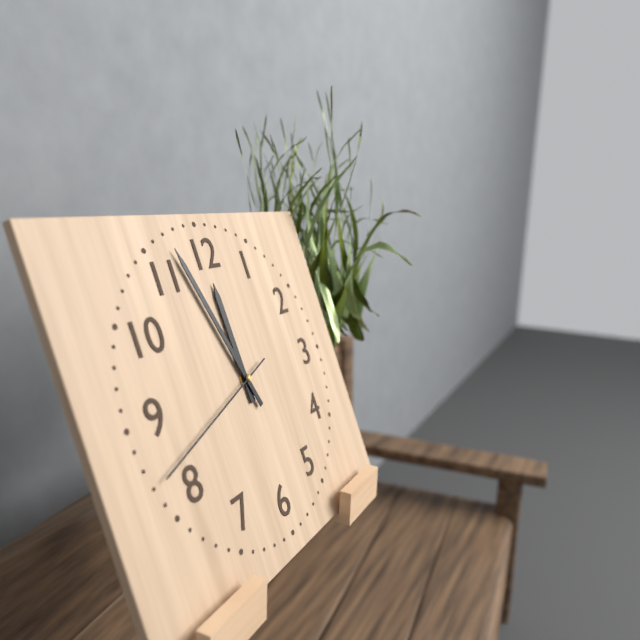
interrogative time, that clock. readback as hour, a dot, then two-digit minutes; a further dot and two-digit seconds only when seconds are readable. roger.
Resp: 11.57.42
